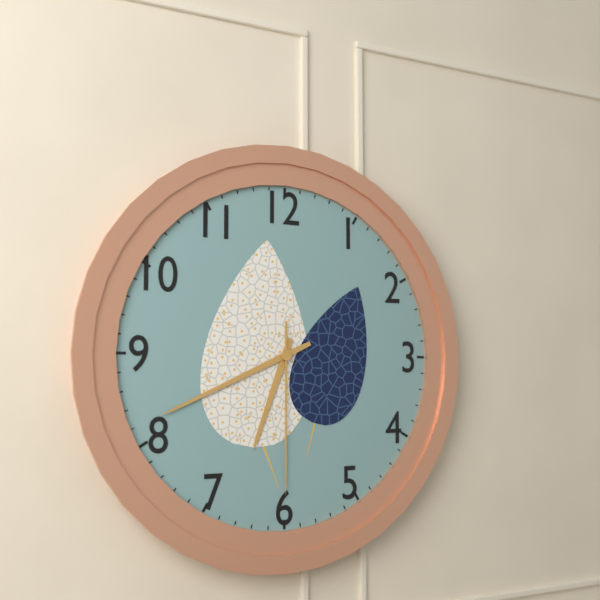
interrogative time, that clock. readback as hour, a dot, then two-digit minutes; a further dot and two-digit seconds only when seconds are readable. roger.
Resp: 6.41.30
